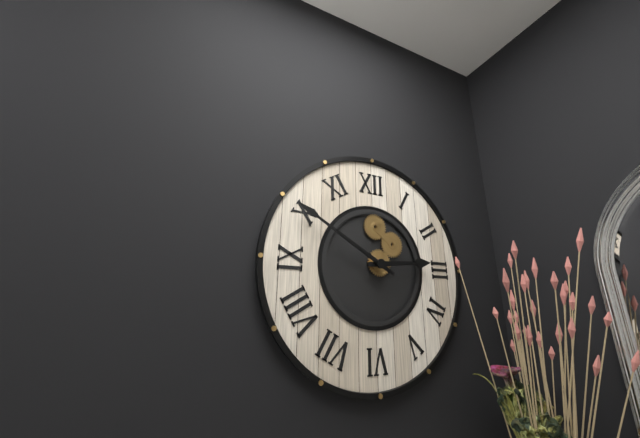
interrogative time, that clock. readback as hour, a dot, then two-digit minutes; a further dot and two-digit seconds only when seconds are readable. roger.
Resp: 2.50
